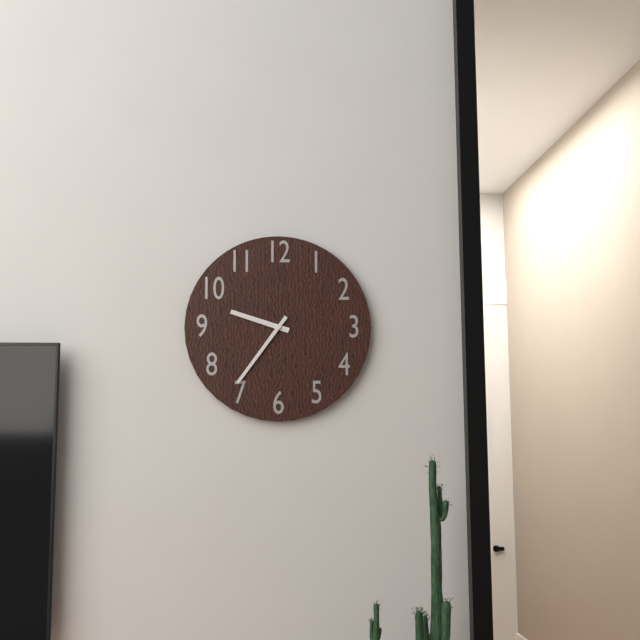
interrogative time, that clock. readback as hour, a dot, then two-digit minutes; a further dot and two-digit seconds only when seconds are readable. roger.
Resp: 9.36
